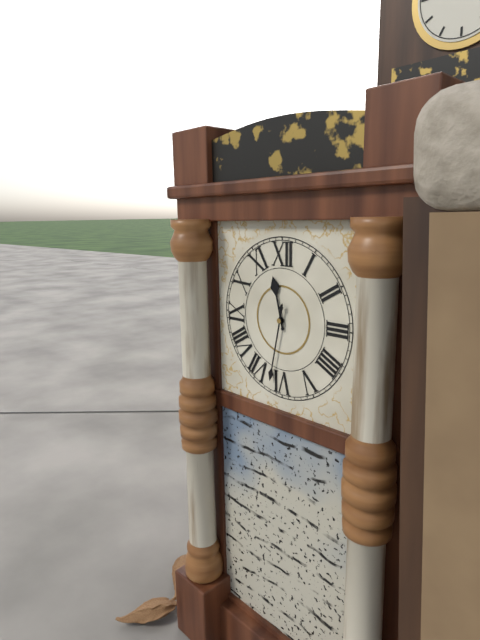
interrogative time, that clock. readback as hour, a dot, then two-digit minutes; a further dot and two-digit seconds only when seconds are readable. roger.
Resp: 11.32
